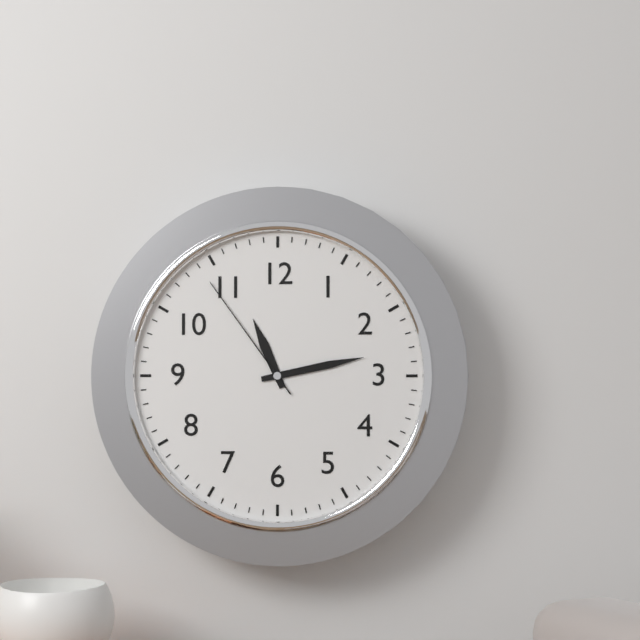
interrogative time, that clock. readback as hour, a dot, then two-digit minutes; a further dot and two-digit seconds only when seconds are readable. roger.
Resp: 11.13.54
